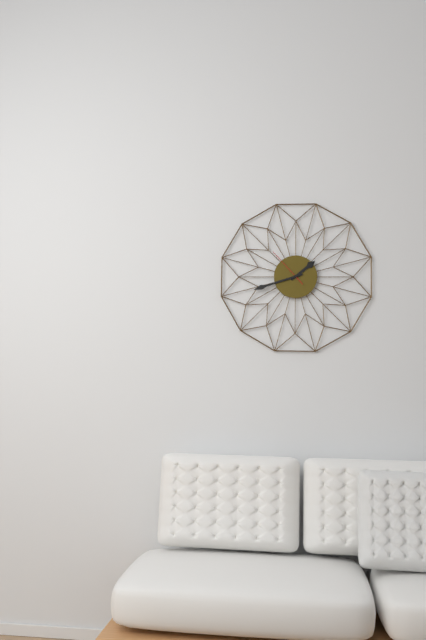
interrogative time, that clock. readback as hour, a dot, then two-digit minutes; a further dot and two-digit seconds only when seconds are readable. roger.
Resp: 1.42
